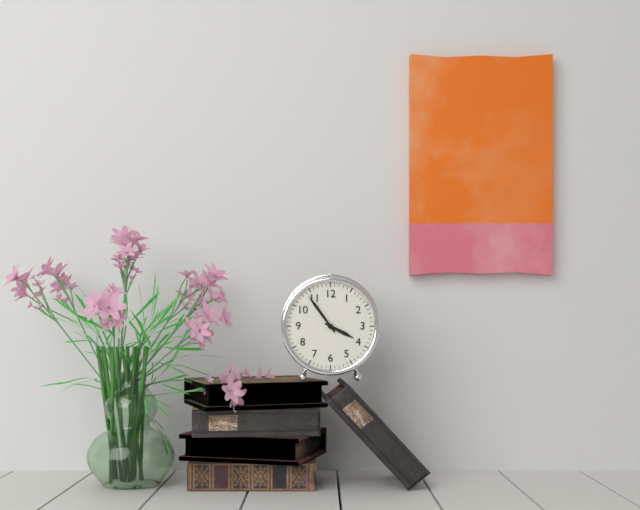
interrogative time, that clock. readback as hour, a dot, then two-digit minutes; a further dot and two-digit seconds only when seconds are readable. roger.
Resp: 3.54
